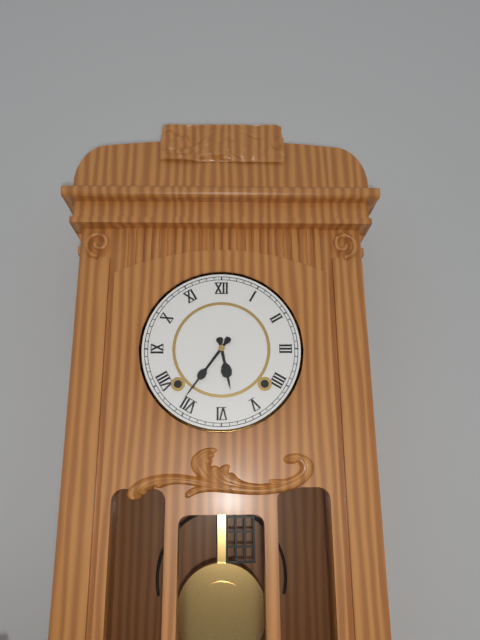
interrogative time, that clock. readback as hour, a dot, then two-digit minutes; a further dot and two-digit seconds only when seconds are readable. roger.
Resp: 5.36
